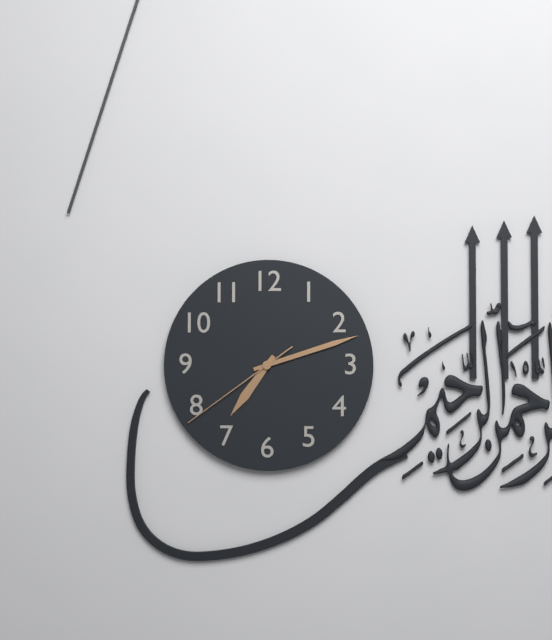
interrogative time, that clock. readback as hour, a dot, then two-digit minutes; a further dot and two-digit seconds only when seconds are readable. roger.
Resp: 7.12.39
